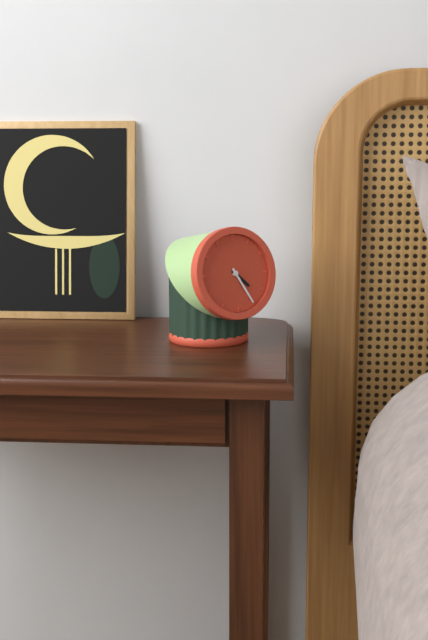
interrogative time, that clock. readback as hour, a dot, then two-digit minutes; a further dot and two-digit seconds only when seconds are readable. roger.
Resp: 4.25
